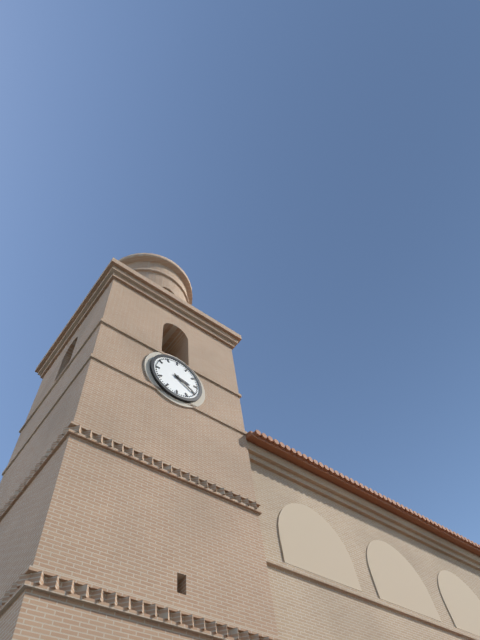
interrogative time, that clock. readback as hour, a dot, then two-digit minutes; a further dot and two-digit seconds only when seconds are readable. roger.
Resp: 3.20
